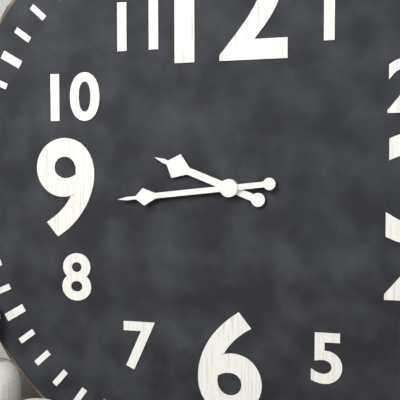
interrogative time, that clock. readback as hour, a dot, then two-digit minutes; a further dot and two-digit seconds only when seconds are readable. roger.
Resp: 9.44
